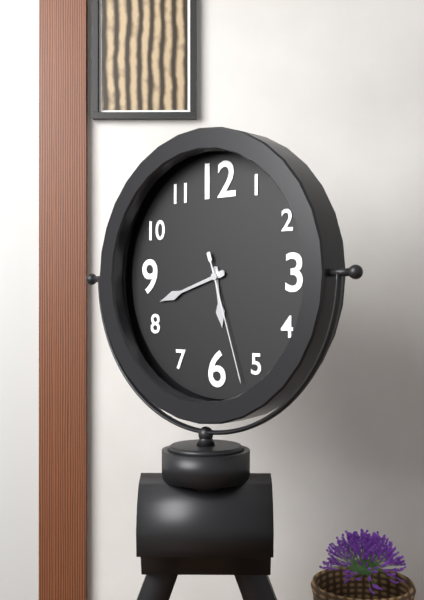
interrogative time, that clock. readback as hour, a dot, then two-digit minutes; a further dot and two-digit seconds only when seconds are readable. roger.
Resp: 5.42.27
